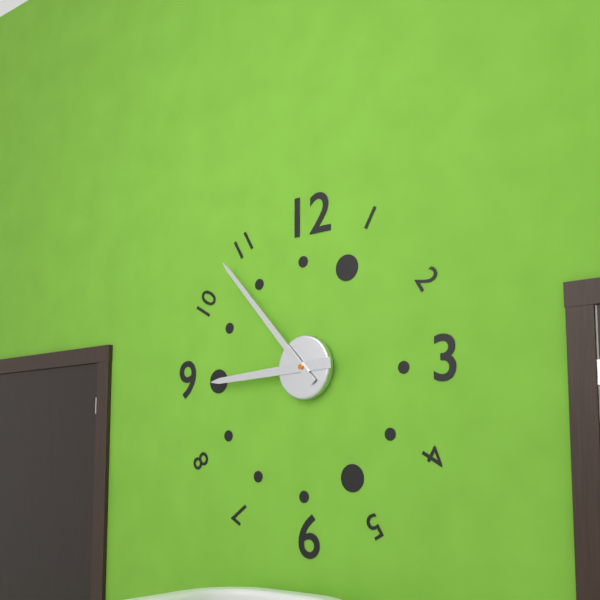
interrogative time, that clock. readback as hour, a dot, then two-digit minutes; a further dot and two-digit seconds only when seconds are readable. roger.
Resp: 8.53
